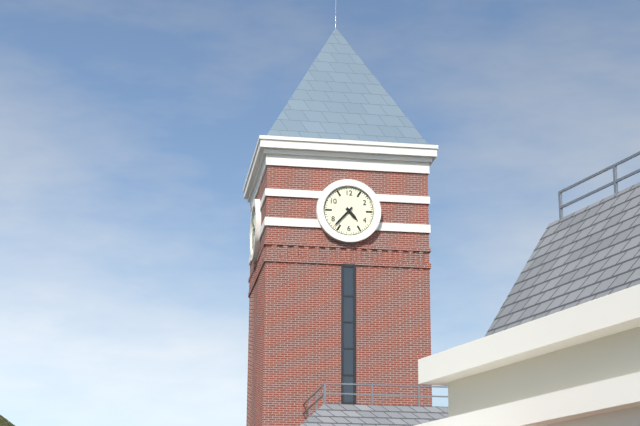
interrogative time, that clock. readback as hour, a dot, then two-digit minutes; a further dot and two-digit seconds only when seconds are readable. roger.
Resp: 4.37
